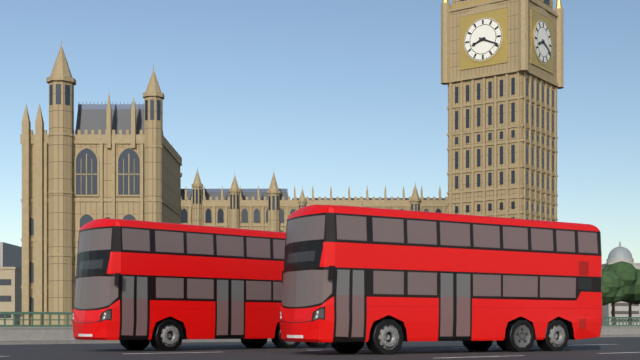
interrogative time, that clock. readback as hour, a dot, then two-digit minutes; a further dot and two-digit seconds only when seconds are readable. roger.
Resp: 8.19
